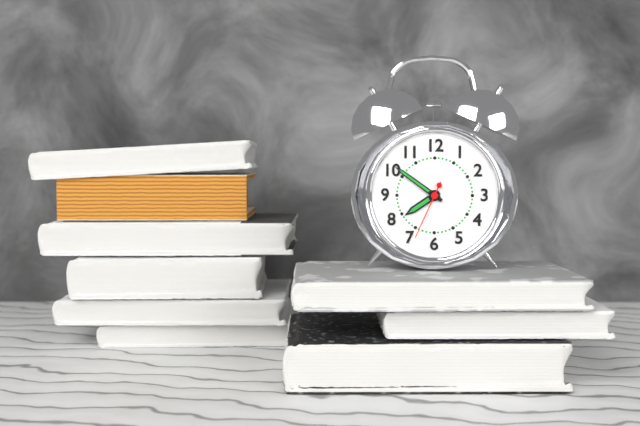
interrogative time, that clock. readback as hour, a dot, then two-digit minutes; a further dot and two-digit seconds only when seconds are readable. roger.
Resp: 7.51.34
